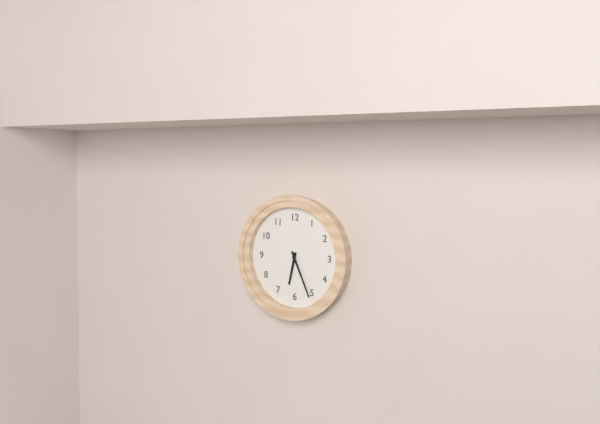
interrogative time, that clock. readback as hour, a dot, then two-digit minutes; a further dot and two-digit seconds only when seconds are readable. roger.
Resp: 6.26
